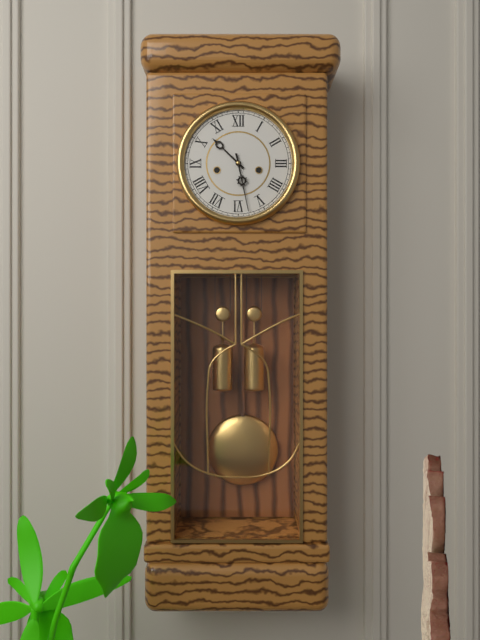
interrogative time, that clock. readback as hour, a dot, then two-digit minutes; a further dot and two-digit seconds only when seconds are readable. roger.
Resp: 10.28
